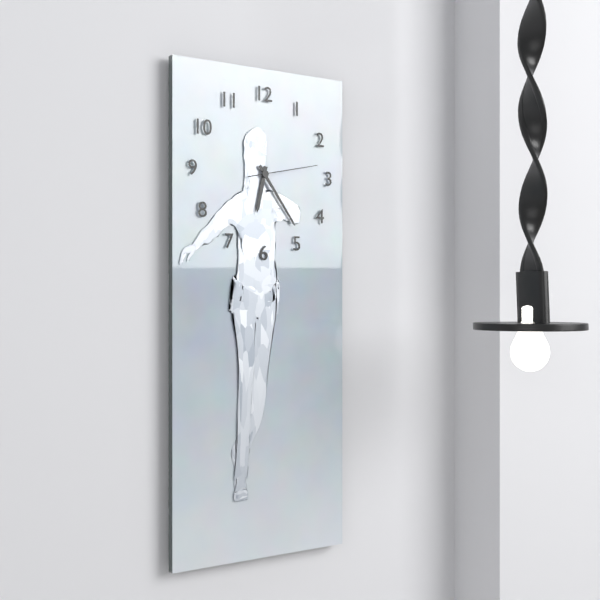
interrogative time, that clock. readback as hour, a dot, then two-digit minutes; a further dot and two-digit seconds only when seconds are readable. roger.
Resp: 6.24.13
